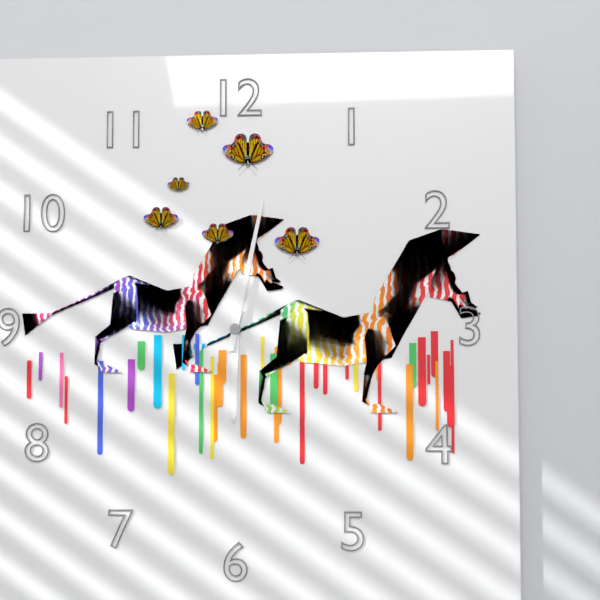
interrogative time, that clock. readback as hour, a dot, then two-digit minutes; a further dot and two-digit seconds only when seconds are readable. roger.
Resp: 6.02
